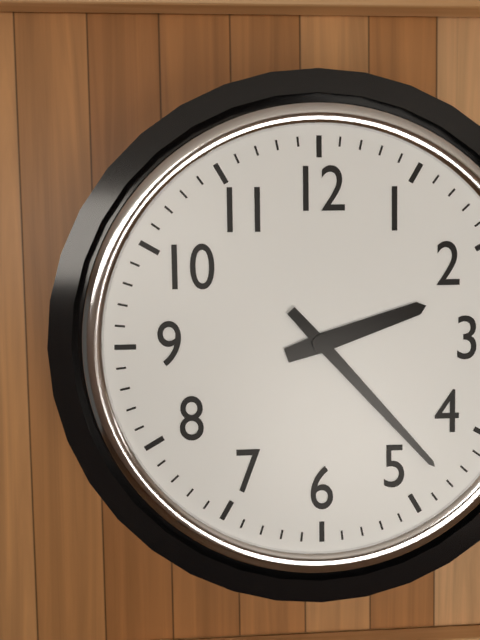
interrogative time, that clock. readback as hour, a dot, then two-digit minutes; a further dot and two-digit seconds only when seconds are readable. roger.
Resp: 2.23
